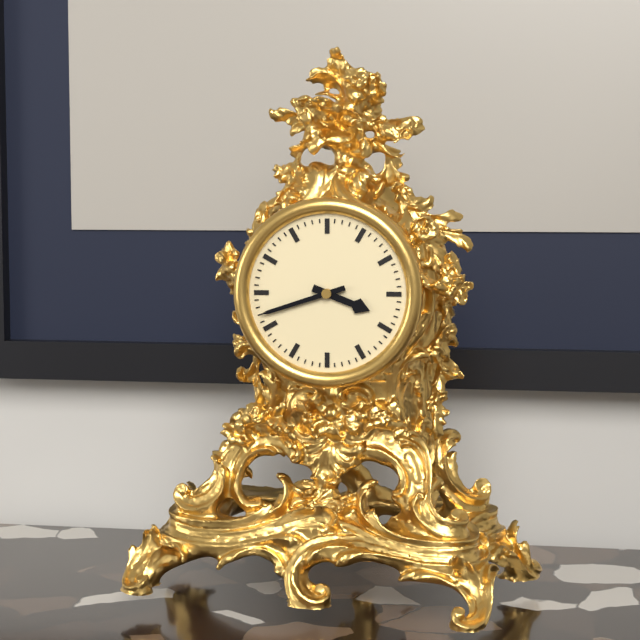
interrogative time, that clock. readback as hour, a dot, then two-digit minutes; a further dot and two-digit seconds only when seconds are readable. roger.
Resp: 3.42
